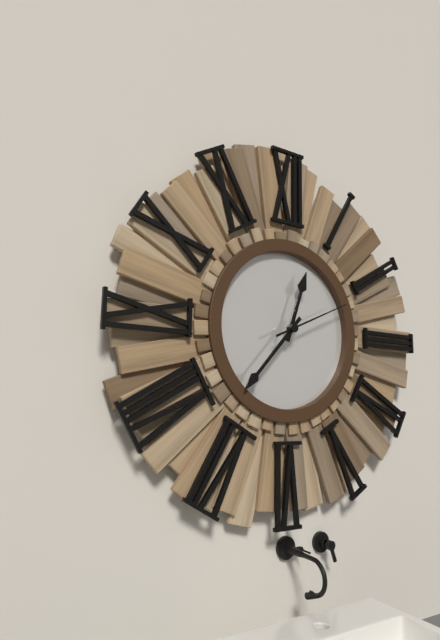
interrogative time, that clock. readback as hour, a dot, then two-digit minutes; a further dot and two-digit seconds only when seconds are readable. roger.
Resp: 12.37.11
